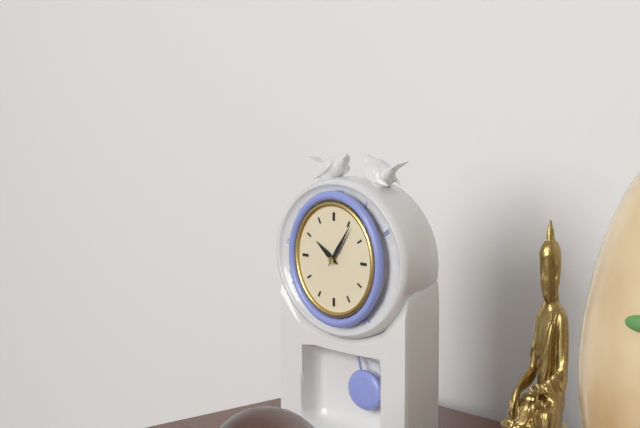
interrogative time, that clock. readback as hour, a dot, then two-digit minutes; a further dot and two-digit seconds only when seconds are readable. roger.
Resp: 10.06
